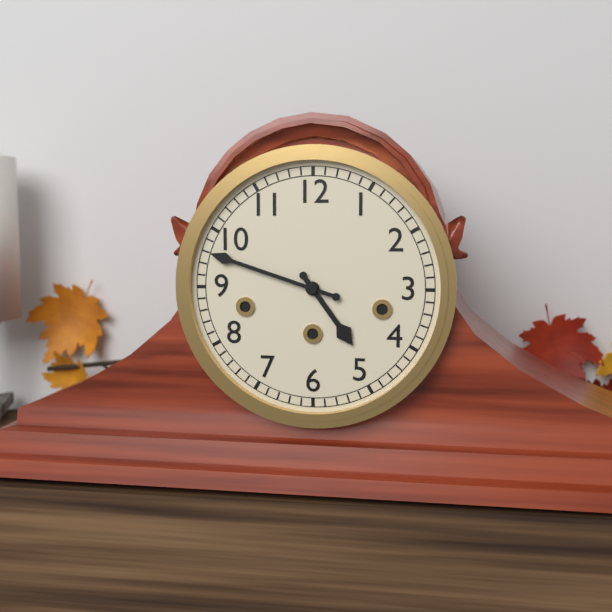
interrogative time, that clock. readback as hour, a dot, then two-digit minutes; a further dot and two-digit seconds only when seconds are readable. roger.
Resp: 4.48
